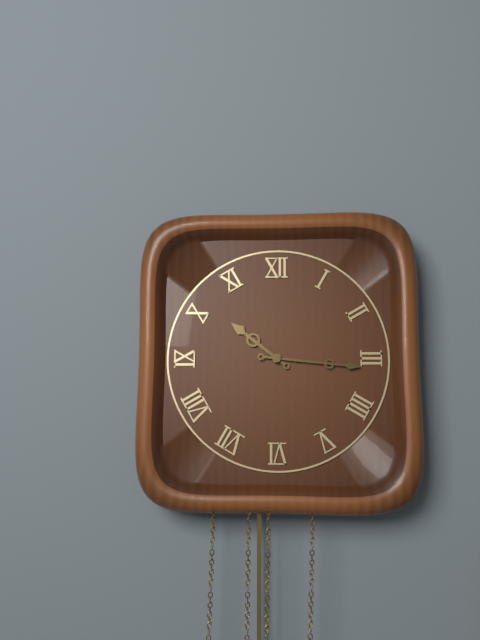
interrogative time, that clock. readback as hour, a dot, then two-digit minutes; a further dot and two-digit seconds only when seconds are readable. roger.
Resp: 10.16
